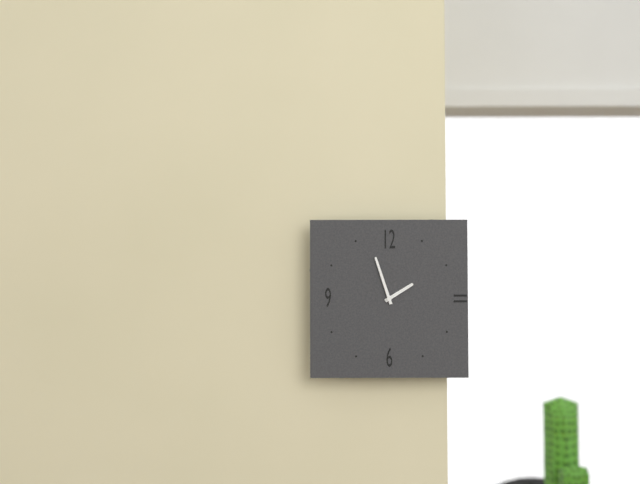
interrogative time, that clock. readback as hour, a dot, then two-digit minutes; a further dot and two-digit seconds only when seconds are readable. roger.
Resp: 1.57
